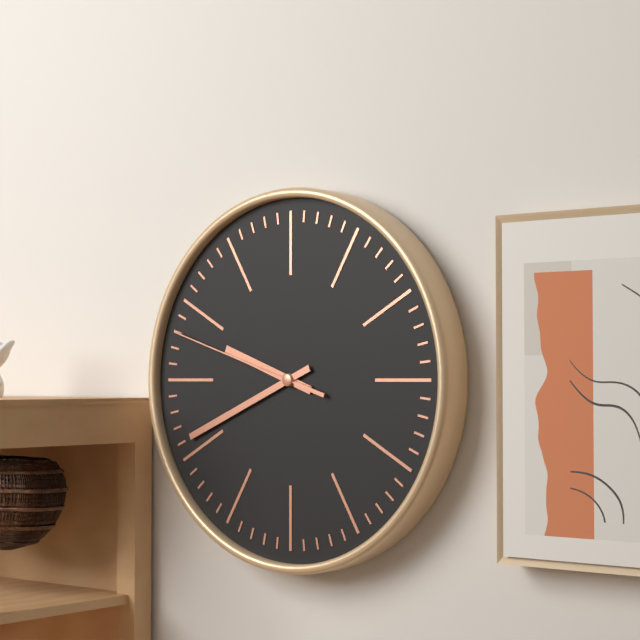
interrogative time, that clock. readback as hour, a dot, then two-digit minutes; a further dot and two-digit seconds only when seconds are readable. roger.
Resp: 9.41.48
